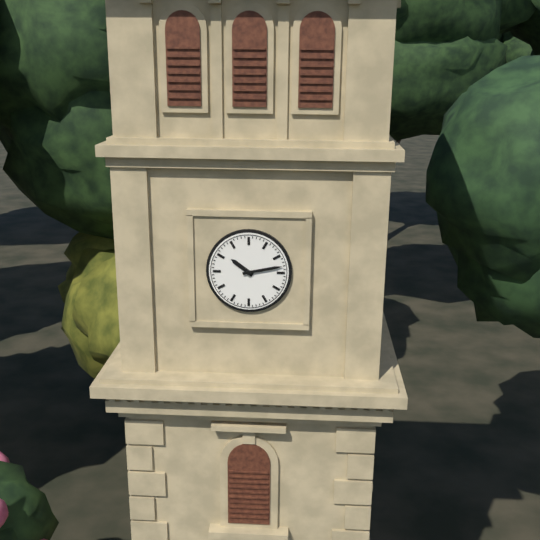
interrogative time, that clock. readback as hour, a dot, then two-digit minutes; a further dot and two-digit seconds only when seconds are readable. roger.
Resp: 10.13
